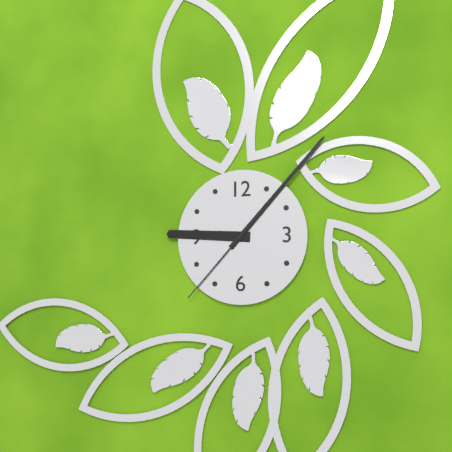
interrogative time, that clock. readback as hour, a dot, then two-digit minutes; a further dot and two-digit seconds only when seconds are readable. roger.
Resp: 9.07.37
